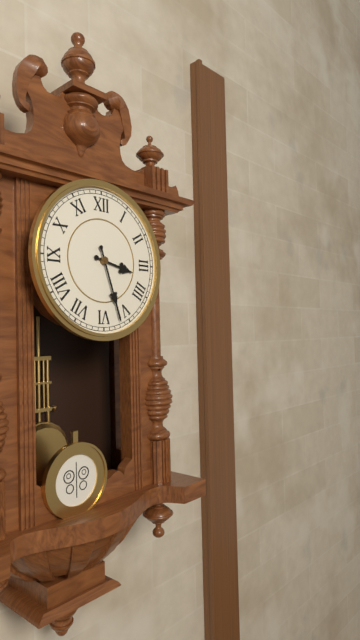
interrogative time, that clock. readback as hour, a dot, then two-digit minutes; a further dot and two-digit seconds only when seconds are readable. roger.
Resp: 3.27
